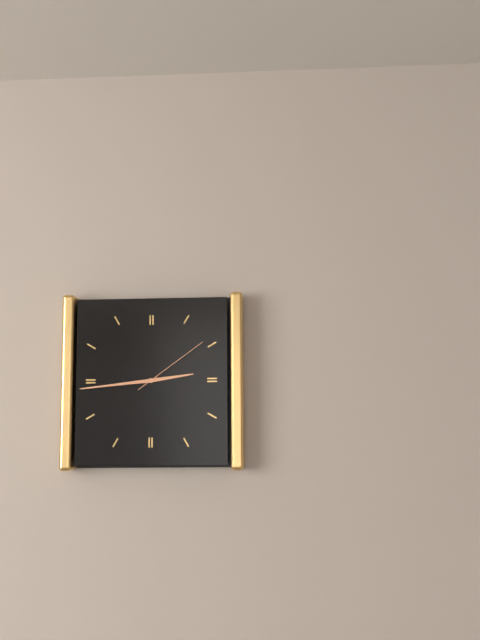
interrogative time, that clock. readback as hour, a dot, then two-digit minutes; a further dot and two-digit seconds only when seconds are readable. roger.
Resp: 2.44.09
